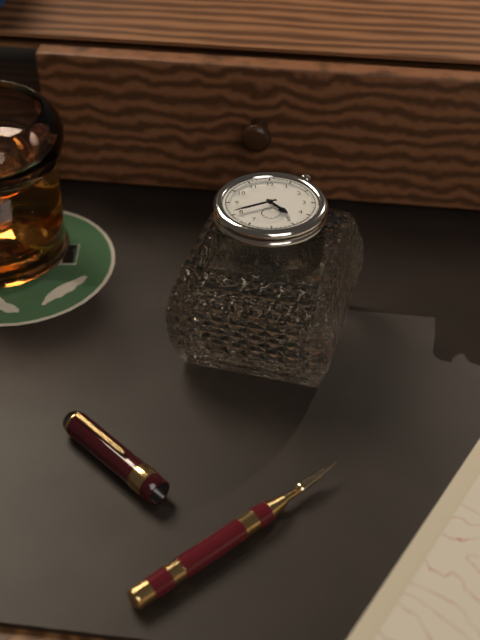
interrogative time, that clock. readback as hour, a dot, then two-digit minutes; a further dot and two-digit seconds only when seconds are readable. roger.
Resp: 4.41
